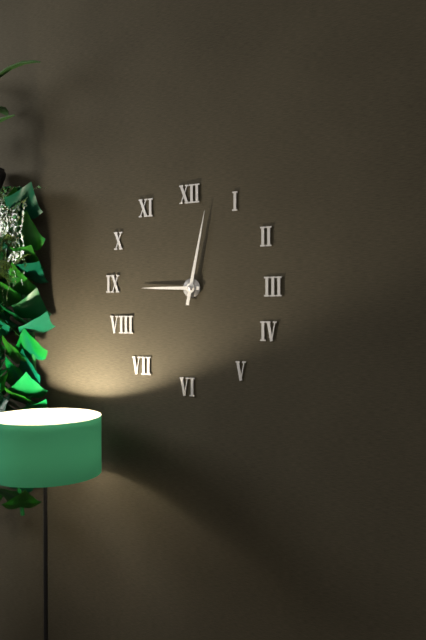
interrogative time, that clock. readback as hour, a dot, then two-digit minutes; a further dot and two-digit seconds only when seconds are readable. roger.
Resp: 9.02
